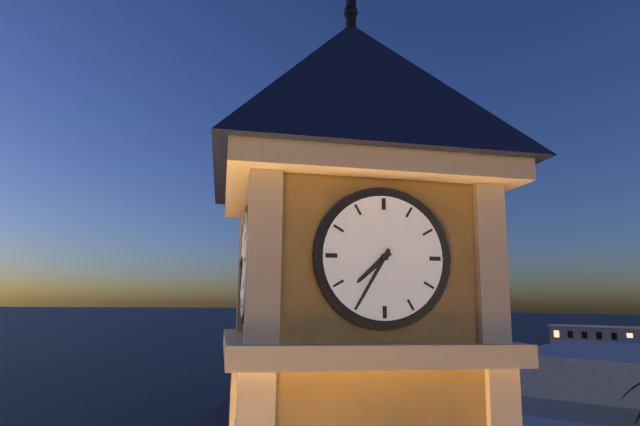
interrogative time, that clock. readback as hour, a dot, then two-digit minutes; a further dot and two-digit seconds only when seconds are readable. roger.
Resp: 7.35
